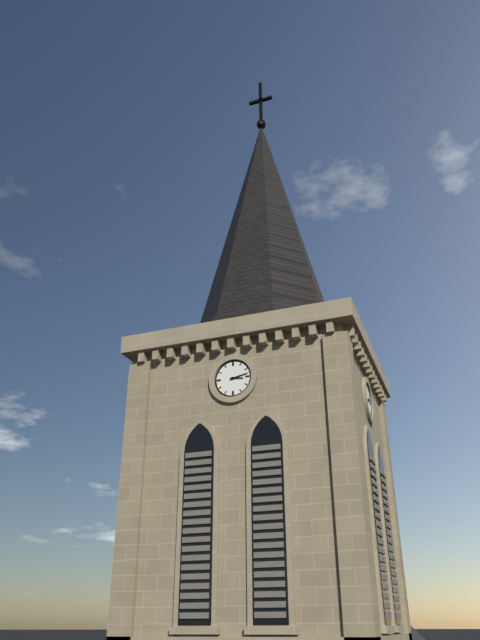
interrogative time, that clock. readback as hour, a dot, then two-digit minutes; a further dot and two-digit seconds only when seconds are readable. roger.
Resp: 3.13
